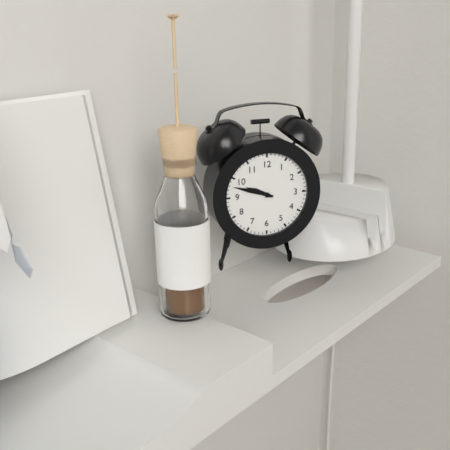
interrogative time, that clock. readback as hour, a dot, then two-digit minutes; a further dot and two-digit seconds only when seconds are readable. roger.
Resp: 9.48
